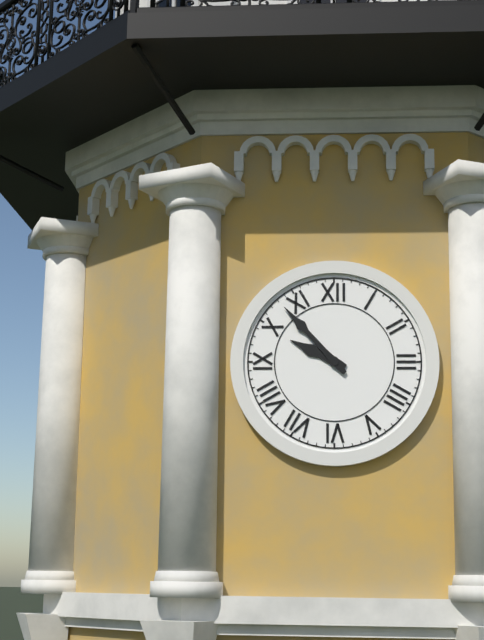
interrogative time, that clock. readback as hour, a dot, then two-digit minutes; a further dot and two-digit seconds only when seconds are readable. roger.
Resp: 9.53
